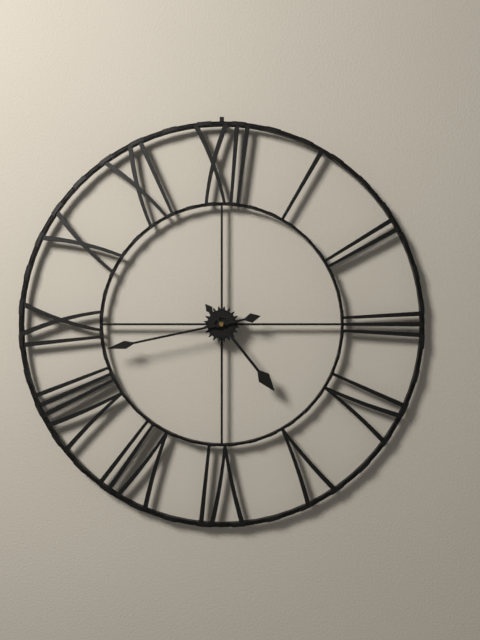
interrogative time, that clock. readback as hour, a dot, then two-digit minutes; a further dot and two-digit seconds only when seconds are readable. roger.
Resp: 4.43
